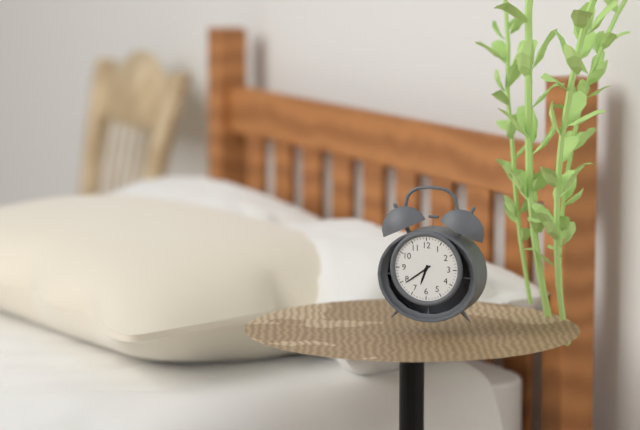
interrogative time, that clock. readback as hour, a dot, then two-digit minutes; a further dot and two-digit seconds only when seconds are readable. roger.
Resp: 6.39
